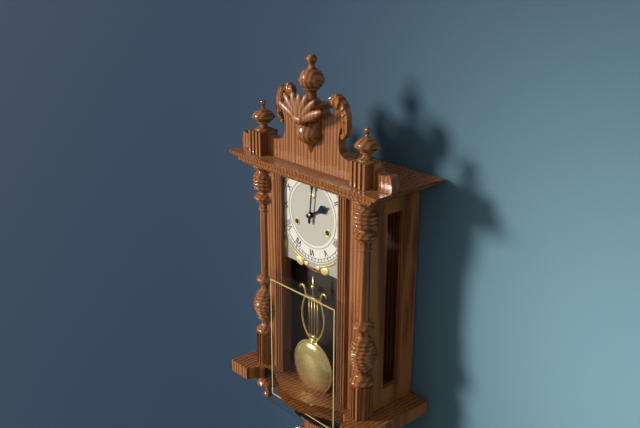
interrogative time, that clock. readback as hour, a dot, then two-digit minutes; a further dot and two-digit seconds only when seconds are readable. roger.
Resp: 2.01
